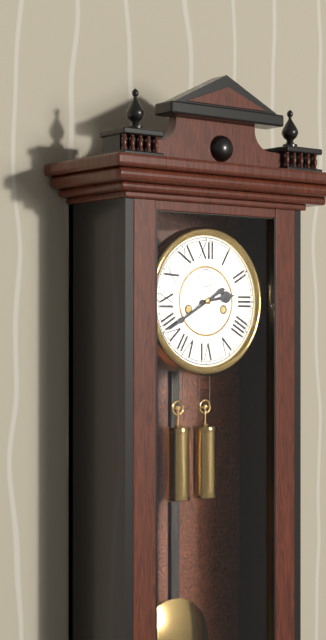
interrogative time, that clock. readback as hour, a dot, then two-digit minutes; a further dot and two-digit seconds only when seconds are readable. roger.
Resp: 2.40
